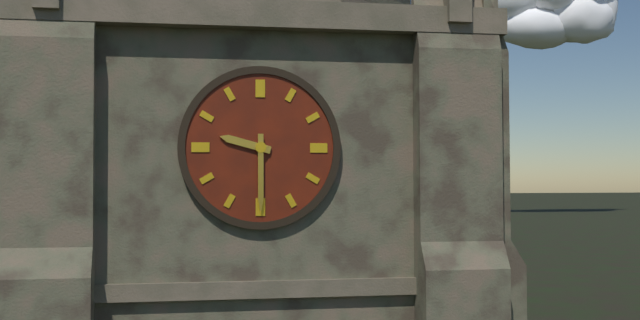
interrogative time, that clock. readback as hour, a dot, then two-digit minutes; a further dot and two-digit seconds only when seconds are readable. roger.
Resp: 9.30
